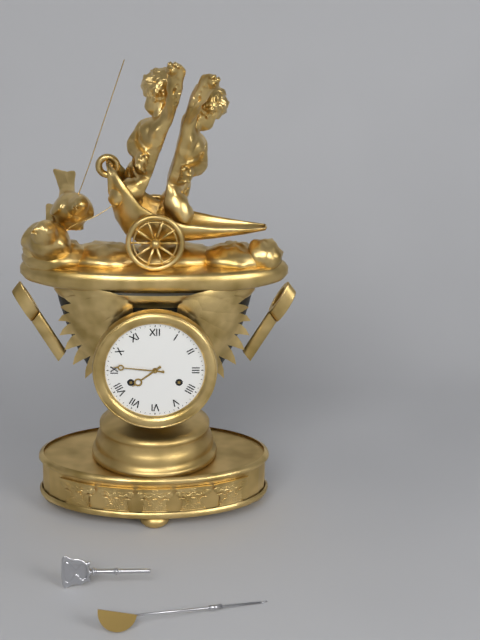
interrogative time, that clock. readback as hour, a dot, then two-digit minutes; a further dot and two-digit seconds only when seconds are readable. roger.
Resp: 7.46
